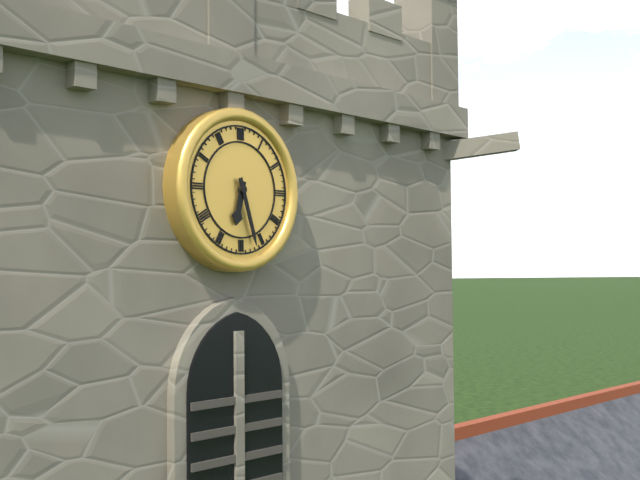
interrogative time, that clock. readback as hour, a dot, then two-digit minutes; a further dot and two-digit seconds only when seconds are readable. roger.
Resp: 6.27
